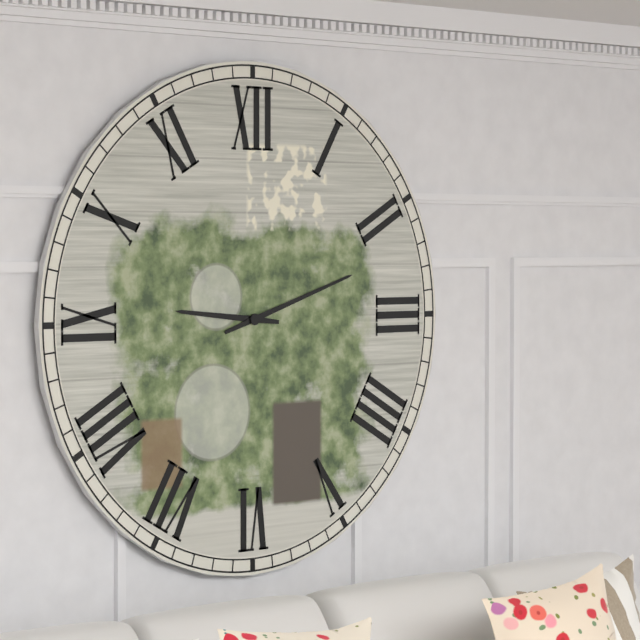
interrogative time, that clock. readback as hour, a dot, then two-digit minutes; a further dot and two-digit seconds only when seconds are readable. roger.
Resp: 9.12
